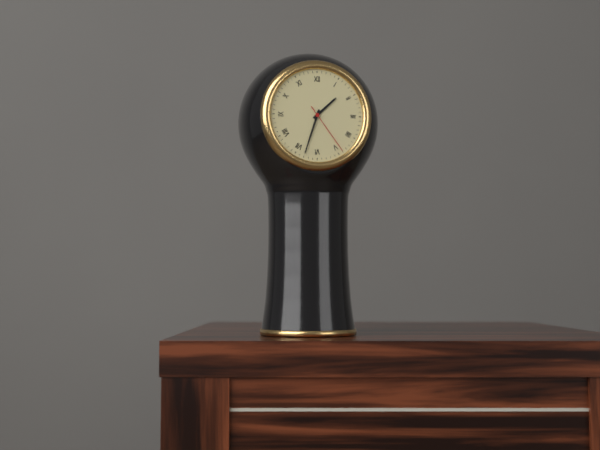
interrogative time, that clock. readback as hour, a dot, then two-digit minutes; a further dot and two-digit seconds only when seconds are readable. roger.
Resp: 1.33.24
